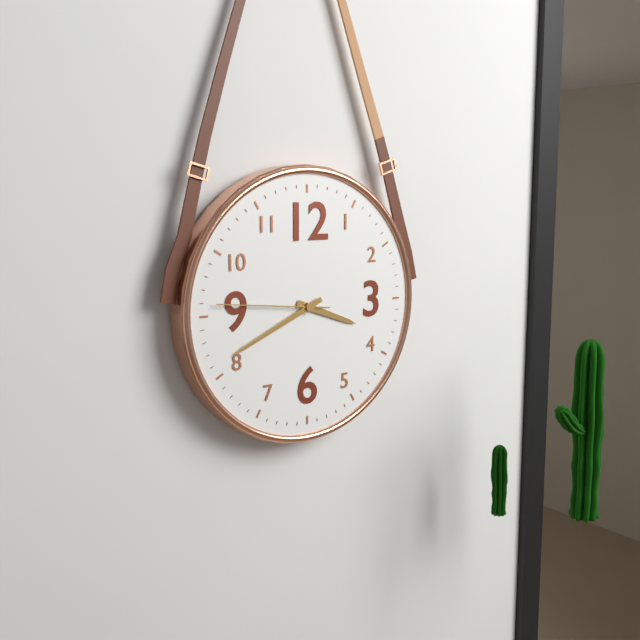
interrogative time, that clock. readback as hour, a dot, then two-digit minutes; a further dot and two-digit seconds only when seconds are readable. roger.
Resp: 3.41.46
